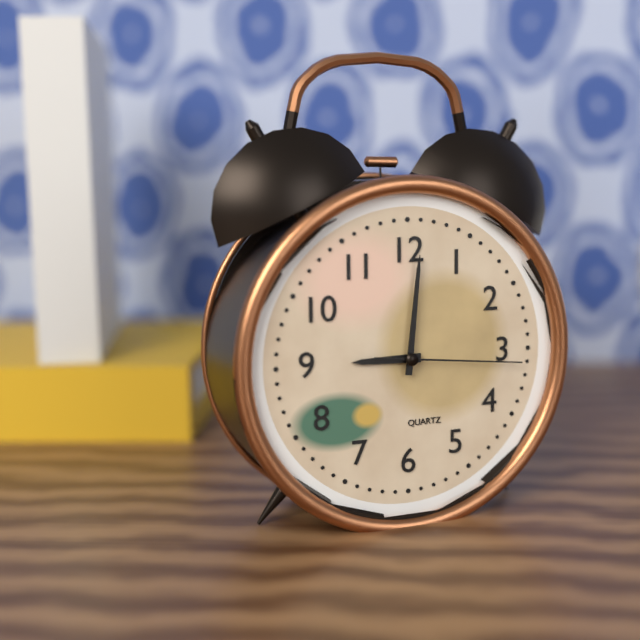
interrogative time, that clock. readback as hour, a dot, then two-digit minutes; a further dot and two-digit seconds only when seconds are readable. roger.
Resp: 9.01.16
